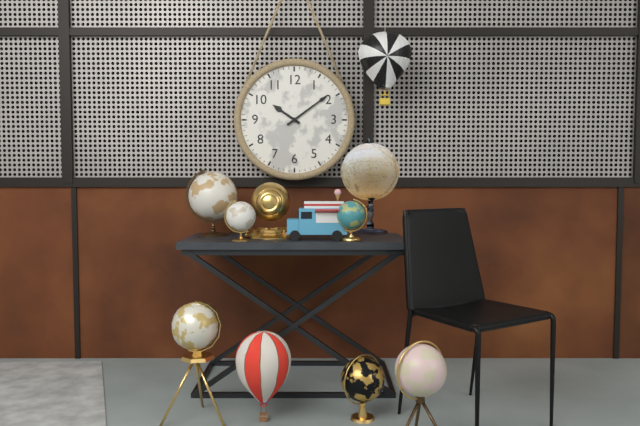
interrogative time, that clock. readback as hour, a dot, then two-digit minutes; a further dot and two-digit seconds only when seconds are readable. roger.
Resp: 10.09
